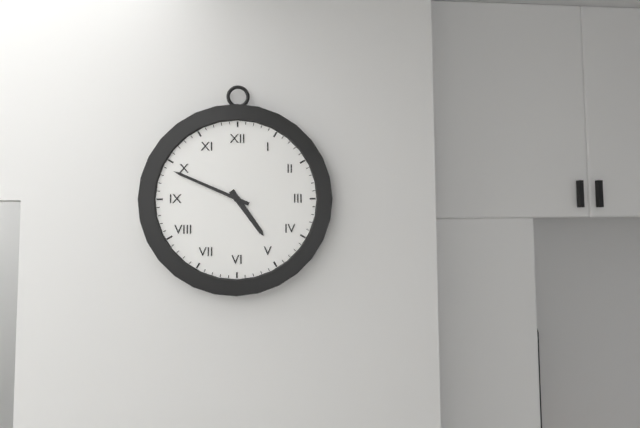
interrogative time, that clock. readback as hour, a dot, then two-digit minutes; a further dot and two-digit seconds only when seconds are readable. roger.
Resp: 4.49
